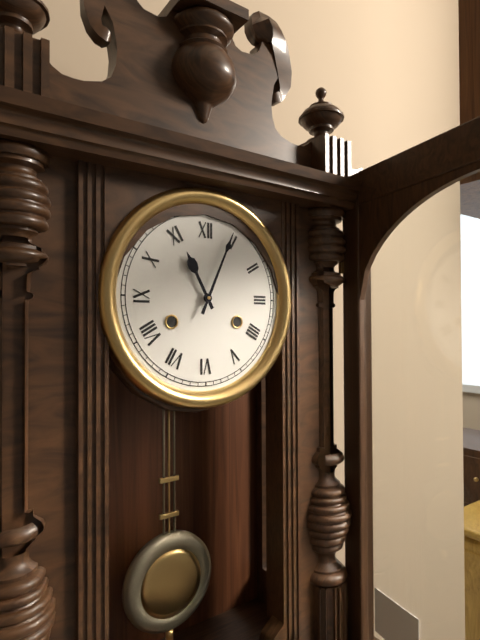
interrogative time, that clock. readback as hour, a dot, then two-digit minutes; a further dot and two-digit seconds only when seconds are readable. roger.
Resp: 11.04
